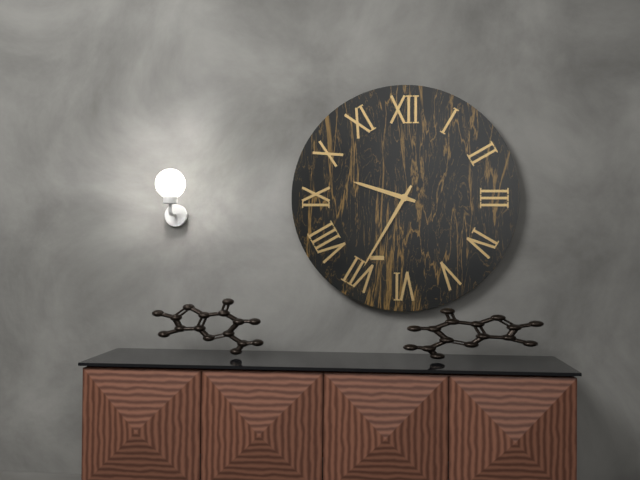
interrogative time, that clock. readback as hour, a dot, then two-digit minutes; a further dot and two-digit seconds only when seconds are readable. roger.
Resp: 9.35
